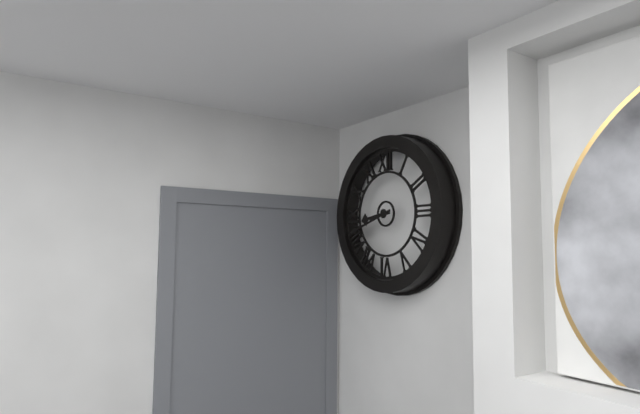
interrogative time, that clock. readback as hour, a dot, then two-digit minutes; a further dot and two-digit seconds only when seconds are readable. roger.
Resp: 8.42
